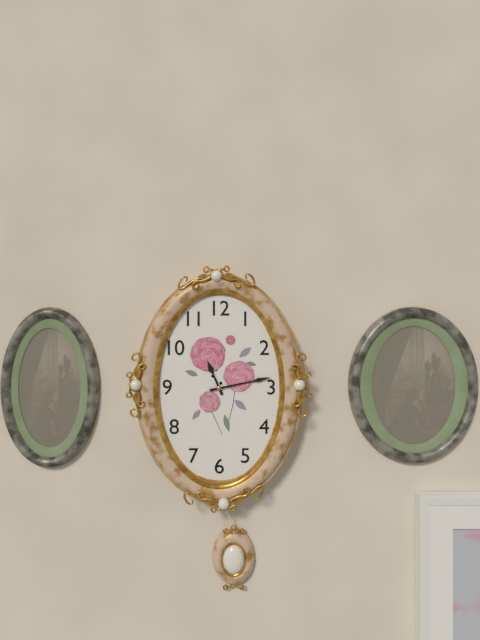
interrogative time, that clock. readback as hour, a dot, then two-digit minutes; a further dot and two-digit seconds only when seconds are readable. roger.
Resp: 11.13
